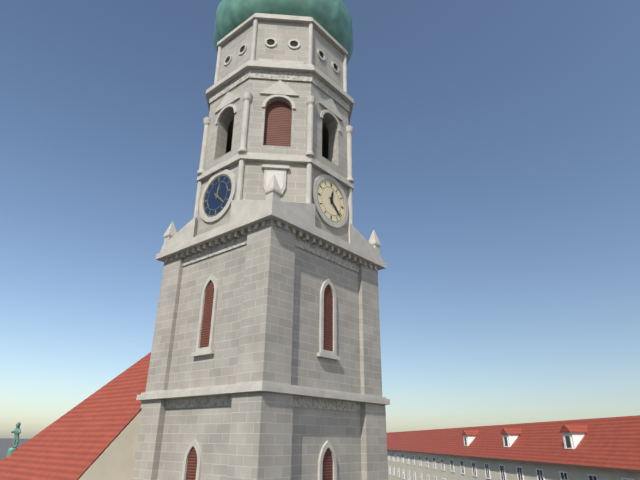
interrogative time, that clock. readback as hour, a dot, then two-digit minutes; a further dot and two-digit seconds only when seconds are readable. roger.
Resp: 12.22
